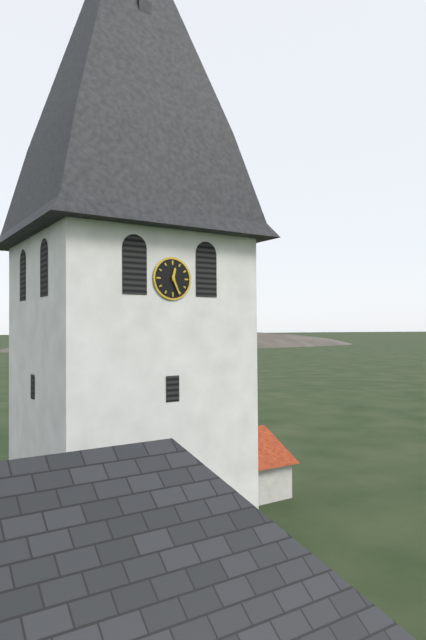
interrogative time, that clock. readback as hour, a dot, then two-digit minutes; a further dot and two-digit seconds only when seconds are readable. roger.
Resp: 12.26
